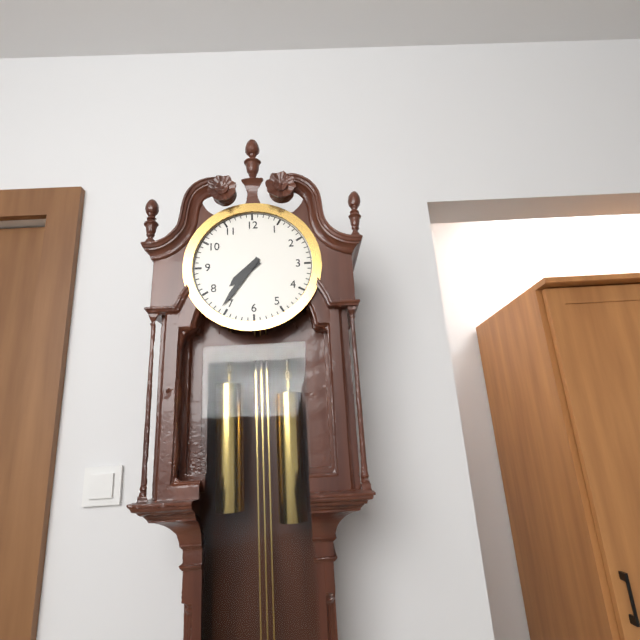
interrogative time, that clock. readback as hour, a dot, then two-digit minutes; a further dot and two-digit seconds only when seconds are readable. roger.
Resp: 7.36
